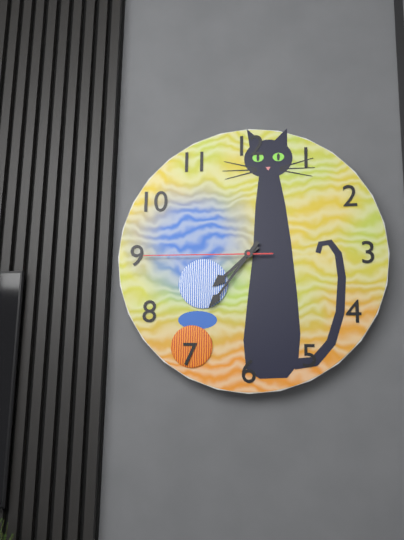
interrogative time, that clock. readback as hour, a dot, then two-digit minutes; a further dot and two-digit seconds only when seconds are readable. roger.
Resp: 7.36.45
